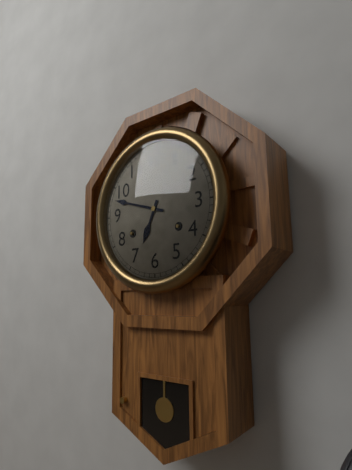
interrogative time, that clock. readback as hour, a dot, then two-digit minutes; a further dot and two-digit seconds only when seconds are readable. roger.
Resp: 6.48
